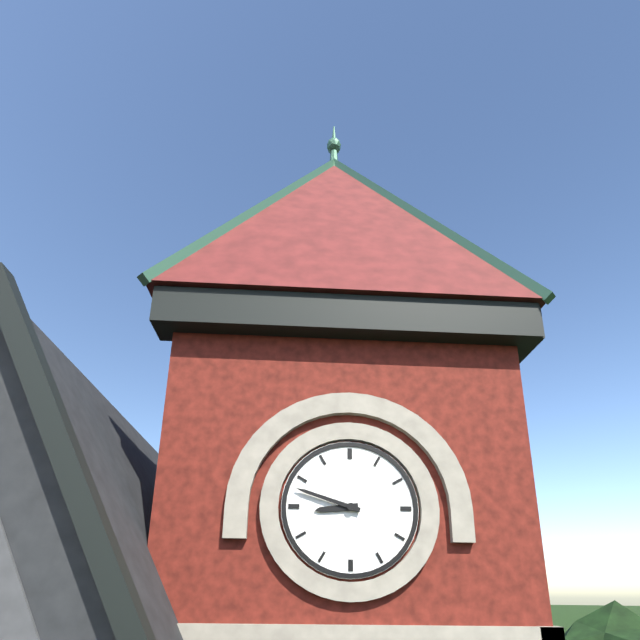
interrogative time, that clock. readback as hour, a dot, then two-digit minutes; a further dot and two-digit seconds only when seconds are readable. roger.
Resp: 8.48
